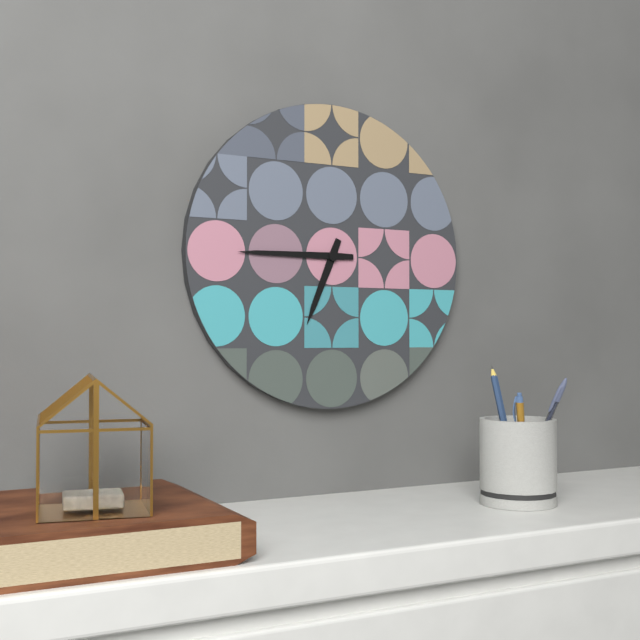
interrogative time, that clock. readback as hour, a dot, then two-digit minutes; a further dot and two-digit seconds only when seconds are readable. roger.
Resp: 6.45
